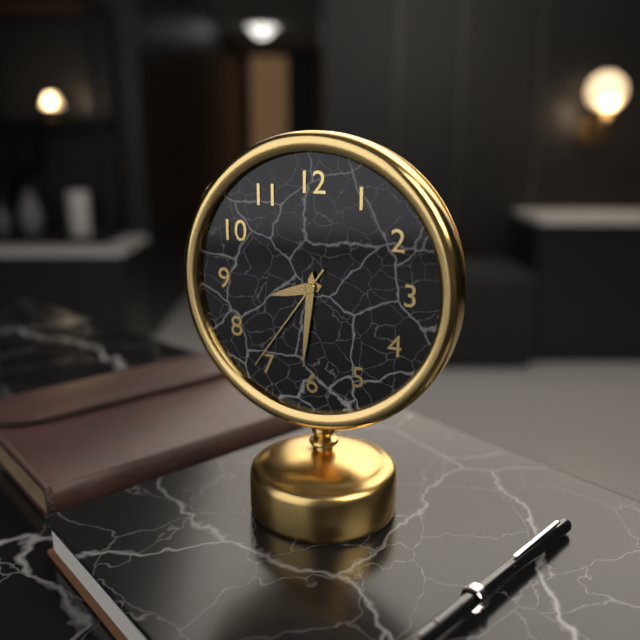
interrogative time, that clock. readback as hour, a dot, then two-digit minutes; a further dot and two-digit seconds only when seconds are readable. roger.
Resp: 8.31.36
